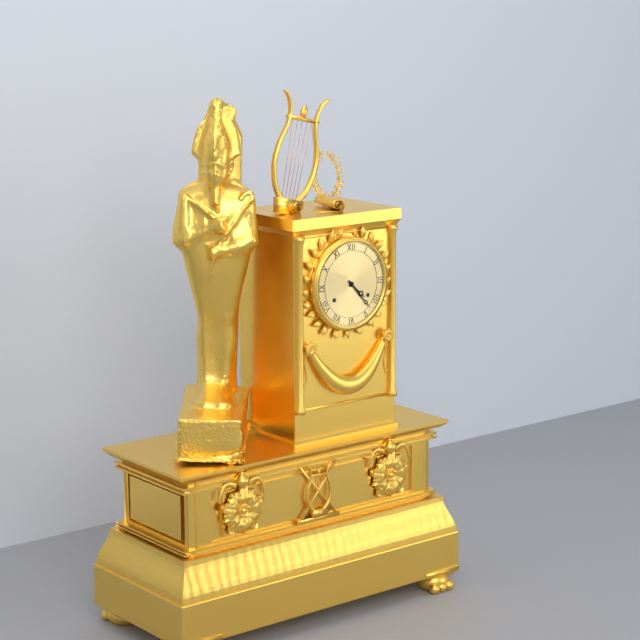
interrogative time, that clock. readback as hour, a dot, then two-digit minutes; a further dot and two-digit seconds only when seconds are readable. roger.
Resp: 4.23
